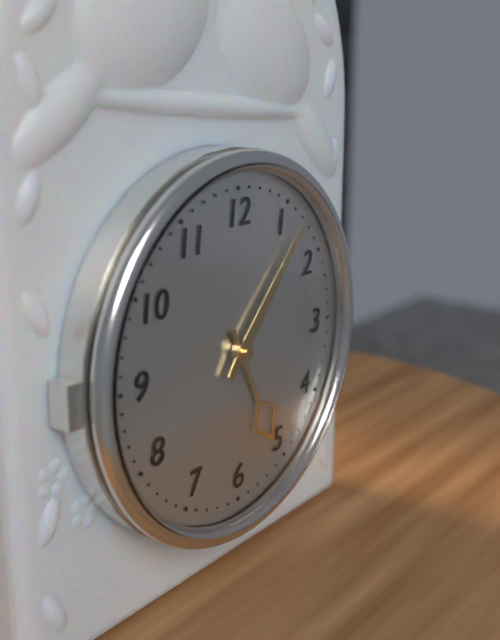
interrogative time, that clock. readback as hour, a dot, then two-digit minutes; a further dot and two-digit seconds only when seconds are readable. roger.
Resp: 5.07
